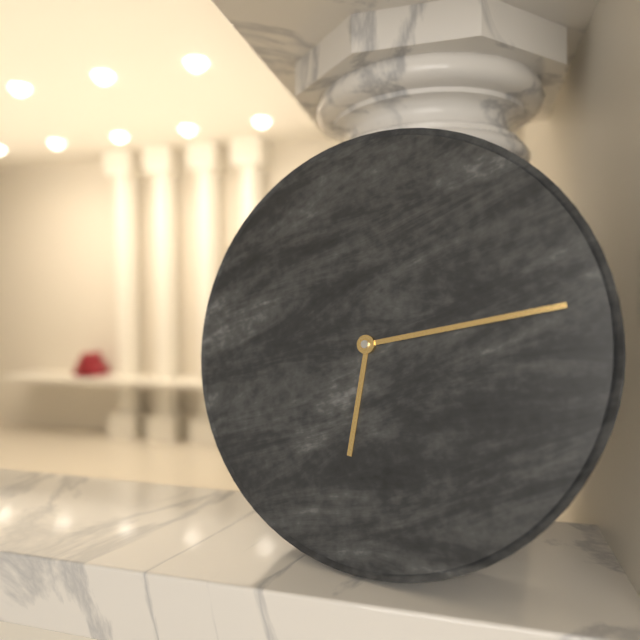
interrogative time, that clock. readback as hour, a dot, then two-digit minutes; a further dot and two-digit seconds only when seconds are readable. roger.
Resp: 6.13
